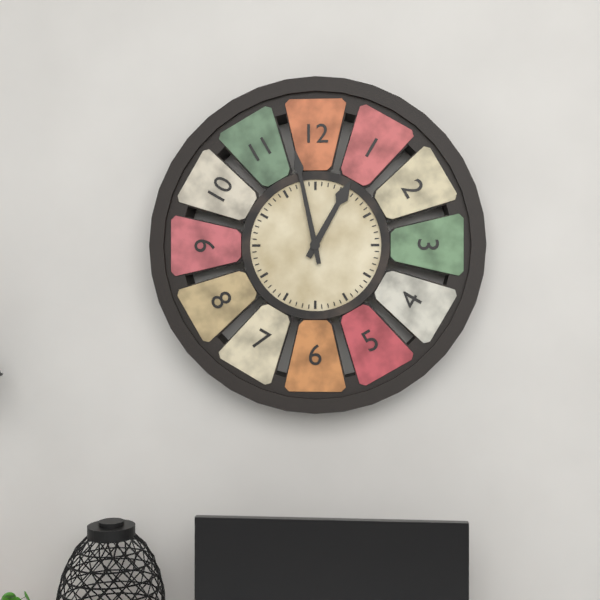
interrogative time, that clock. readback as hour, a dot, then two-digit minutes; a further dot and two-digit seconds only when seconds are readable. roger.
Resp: 12.58
